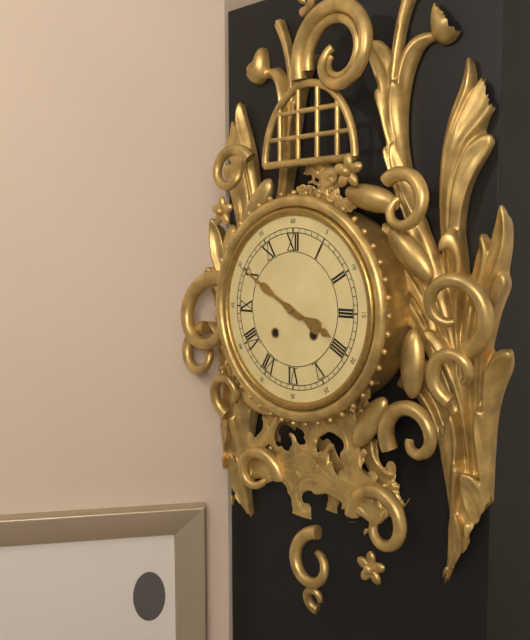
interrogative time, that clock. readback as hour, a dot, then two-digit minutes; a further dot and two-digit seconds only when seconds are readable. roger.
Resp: 3.50
